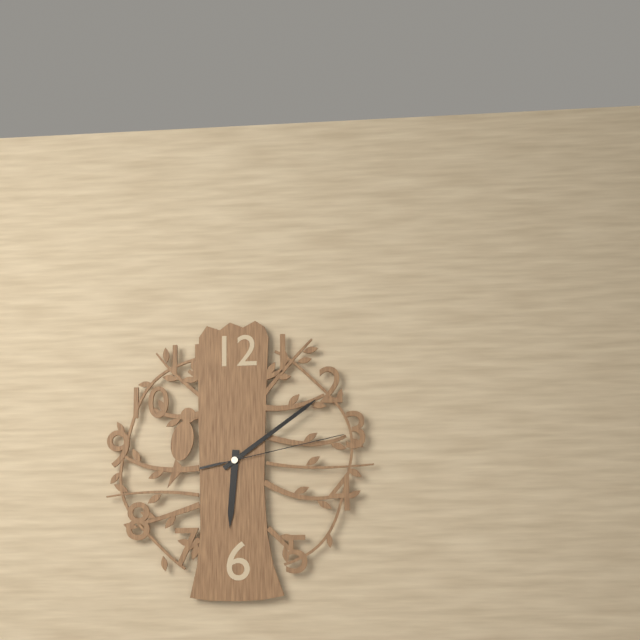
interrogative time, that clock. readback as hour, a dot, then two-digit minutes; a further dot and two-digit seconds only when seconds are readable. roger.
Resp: 6.09.13
